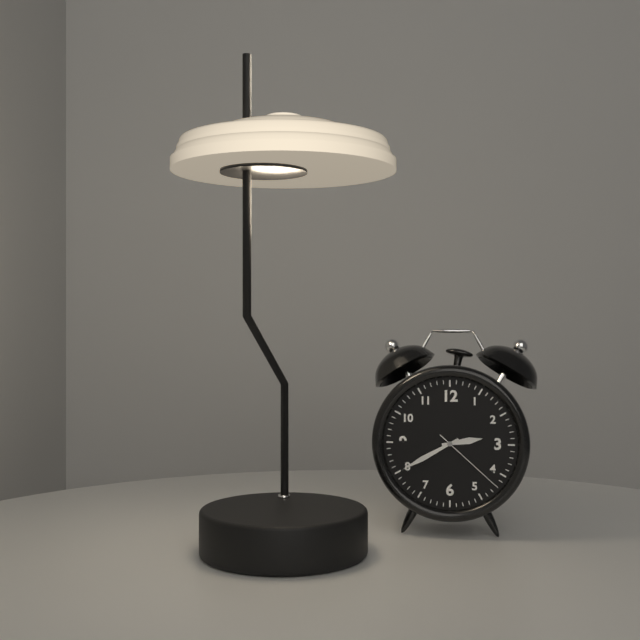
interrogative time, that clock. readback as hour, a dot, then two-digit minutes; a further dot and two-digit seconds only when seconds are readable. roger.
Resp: 2.40.22
